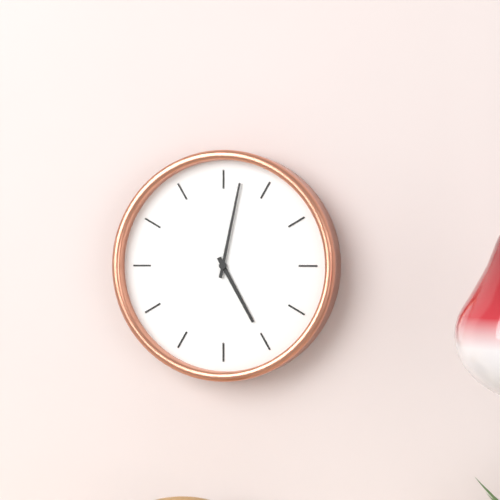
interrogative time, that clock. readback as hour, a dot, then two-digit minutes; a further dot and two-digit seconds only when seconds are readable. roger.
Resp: 5.02
